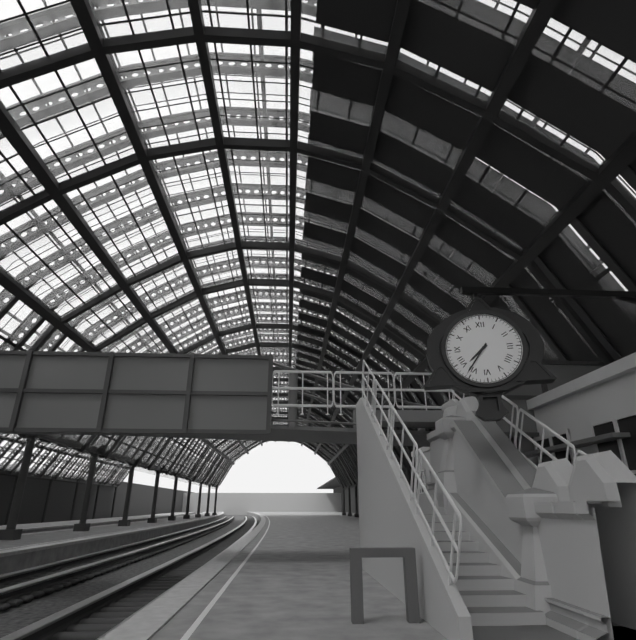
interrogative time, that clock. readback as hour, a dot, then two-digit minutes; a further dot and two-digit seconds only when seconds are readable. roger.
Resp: 7.36
